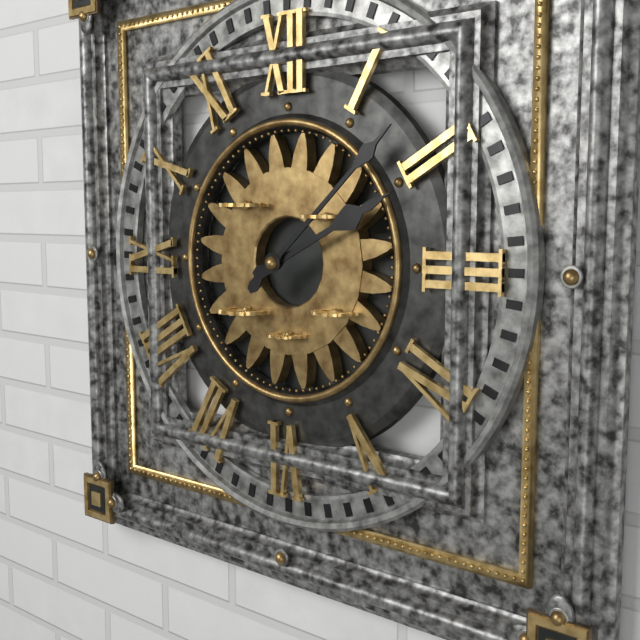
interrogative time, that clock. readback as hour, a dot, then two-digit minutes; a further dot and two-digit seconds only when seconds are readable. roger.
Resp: 2.08
